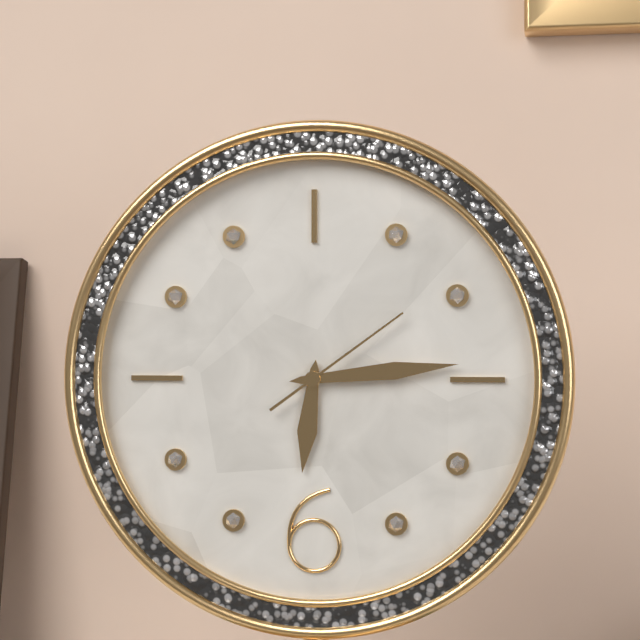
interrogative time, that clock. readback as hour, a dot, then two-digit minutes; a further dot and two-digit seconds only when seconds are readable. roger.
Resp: 6.14.09
